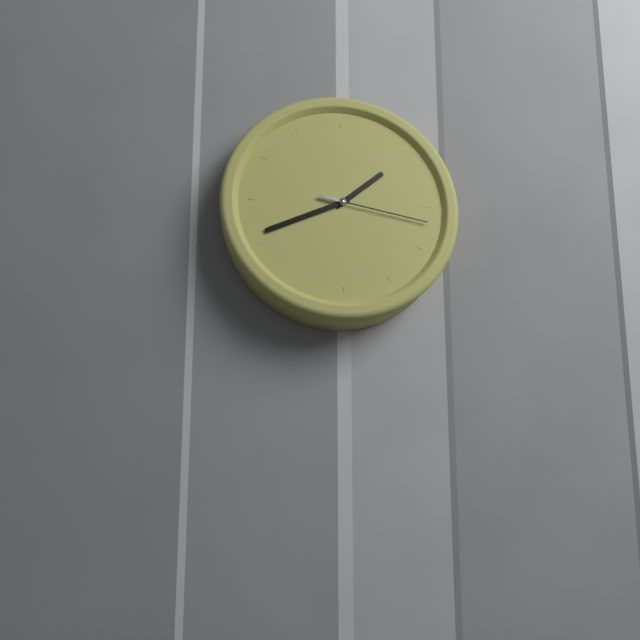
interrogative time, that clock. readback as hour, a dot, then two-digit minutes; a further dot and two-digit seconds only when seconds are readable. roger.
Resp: 1.41.17
